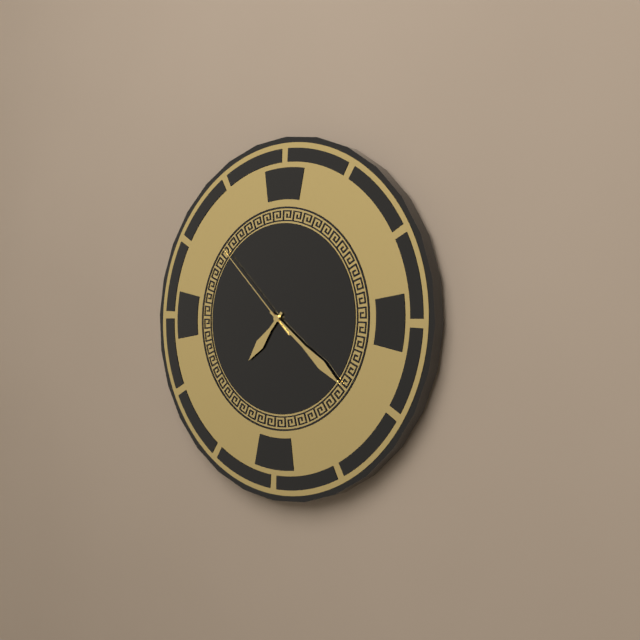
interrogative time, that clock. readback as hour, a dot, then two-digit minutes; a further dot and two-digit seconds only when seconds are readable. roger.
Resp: 7.21.52
